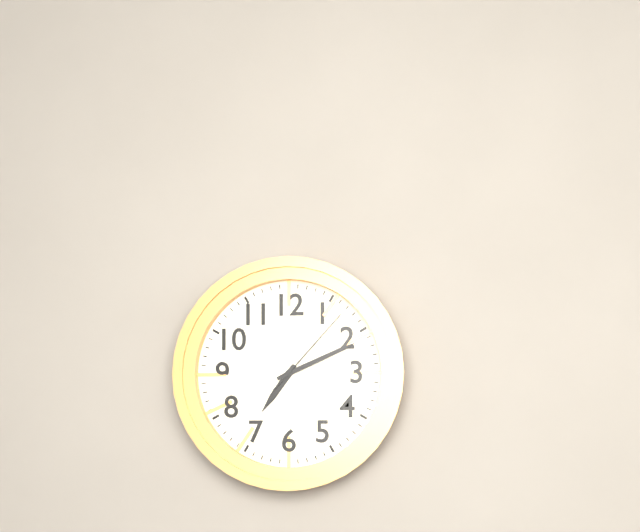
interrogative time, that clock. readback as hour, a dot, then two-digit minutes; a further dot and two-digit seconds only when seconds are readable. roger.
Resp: 7.11.07
